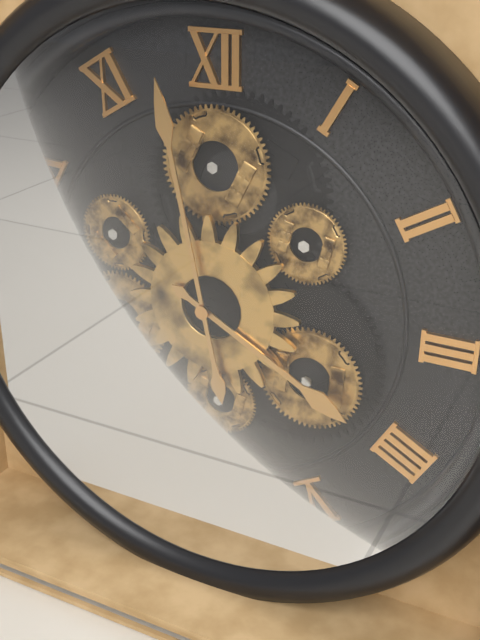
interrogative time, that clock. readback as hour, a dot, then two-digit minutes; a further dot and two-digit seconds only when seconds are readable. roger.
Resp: 3.58
